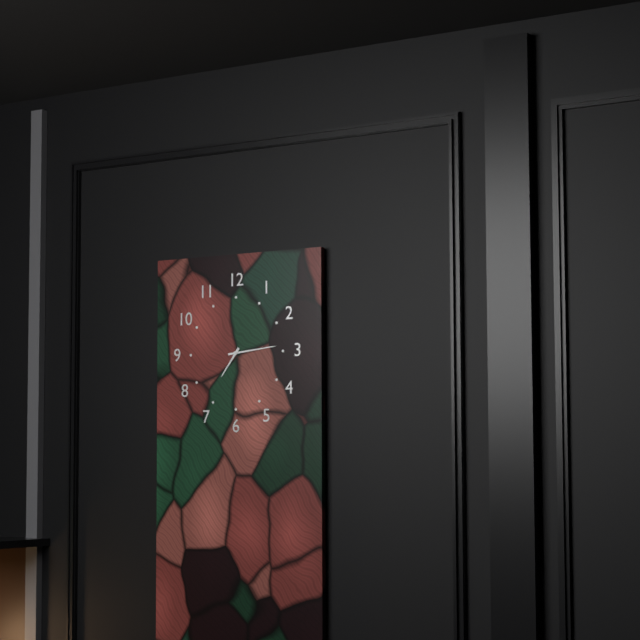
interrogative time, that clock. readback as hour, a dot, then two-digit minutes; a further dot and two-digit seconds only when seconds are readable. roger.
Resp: 7.14
